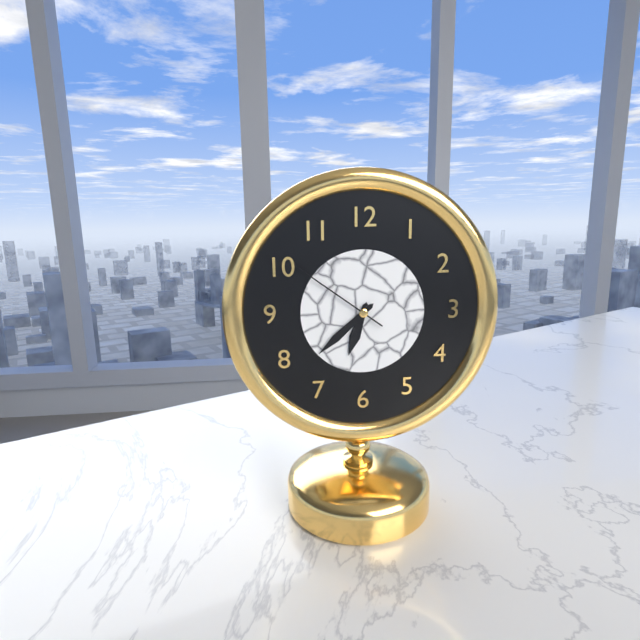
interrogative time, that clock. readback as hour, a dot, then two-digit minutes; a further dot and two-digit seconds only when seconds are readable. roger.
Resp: 6.38.51
